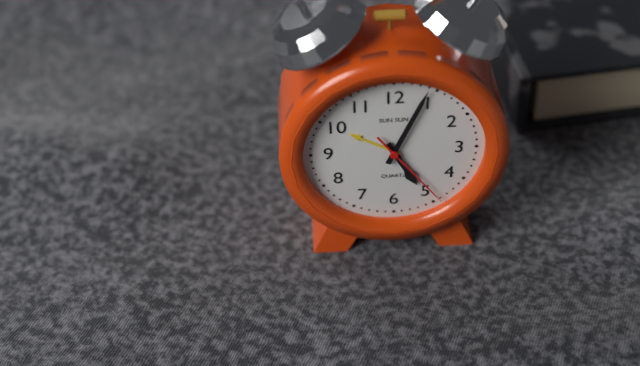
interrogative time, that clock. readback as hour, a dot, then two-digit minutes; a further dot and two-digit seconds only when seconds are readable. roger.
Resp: 5.04.24
